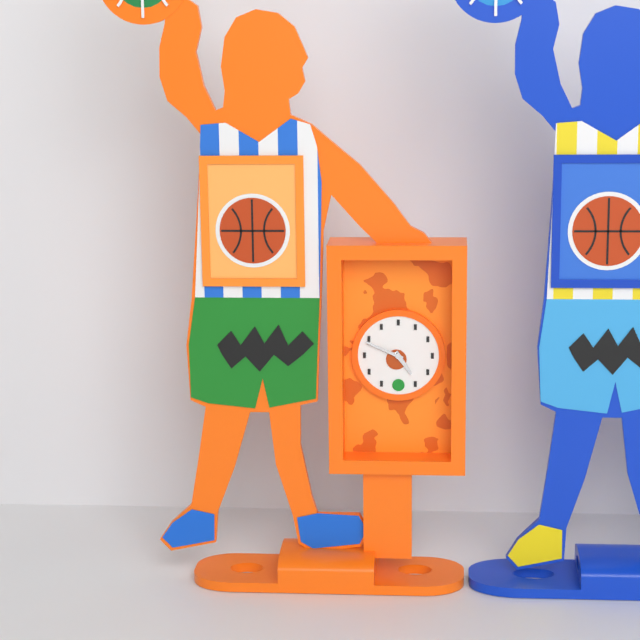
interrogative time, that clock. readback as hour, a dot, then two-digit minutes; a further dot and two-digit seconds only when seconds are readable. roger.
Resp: 4.49
